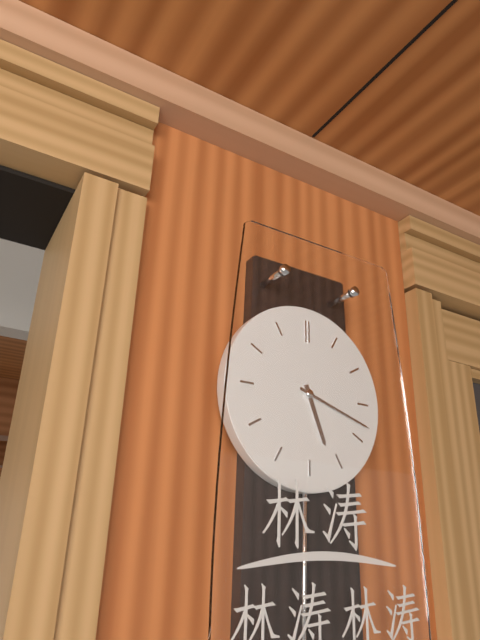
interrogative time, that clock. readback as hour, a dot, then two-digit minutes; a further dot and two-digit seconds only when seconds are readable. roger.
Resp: 5.18
